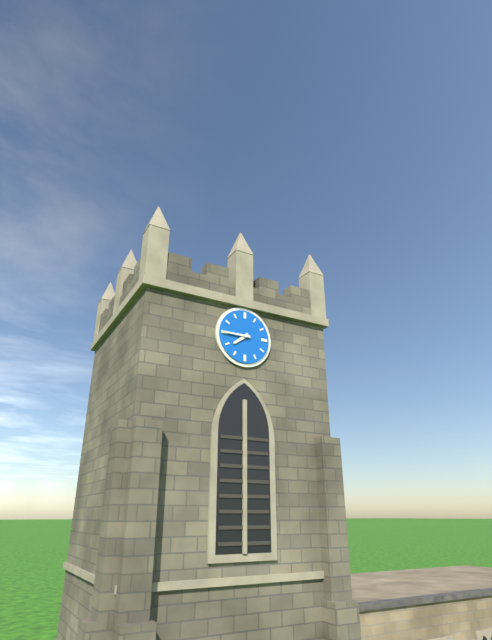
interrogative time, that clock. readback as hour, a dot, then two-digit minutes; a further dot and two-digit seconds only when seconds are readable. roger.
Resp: 7.45
